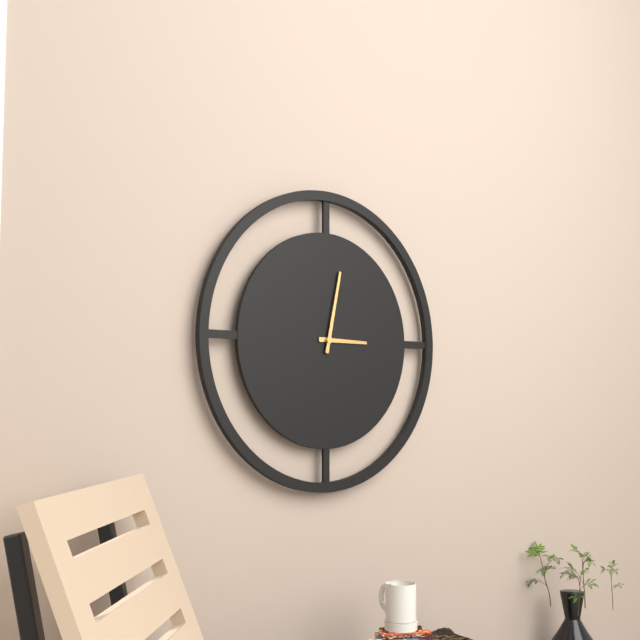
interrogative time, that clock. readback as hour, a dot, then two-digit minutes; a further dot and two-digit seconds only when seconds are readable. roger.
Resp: 3.02
